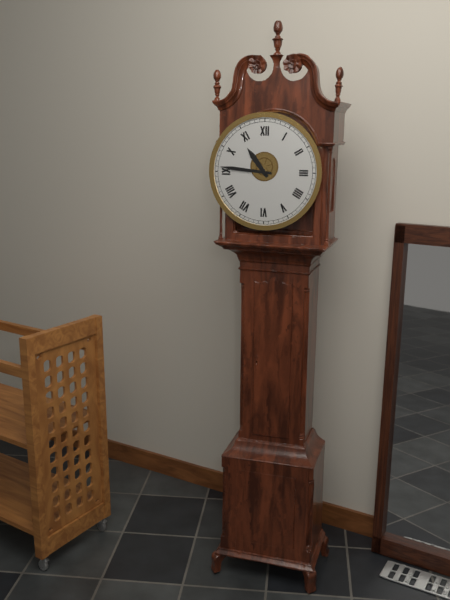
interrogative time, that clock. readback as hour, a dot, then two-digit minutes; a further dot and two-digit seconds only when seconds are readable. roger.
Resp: 10.46
